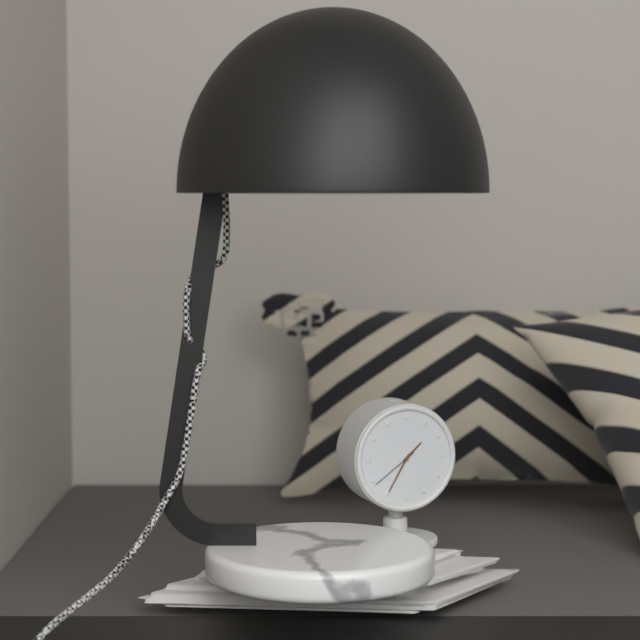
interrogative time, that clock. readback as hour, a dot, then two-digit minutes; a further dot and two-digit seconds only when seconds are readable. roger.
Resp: 1.35.39
